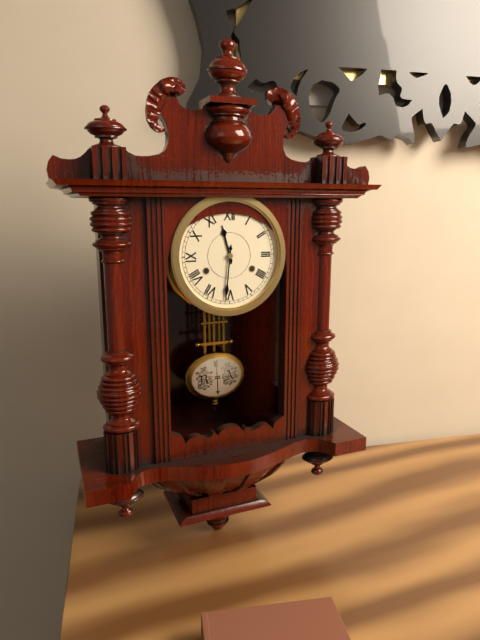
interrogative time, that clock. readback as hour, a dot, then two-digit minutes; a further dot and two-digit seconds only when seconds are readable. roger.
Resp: 11.31
